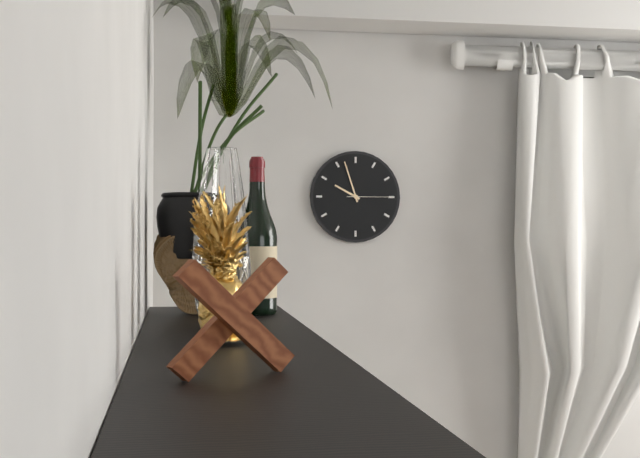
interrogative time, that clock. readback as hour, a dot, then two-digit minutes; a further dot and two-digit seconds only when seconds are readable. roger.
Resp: 9.57
